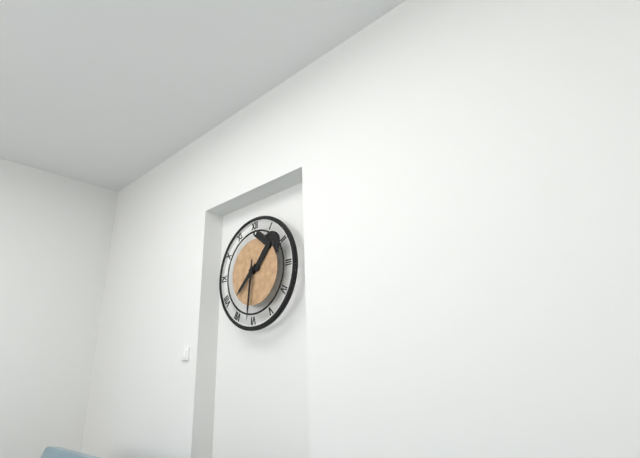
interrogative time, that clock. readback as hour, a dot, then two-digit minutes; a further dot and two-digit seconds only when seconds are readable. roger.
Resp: 7.31
